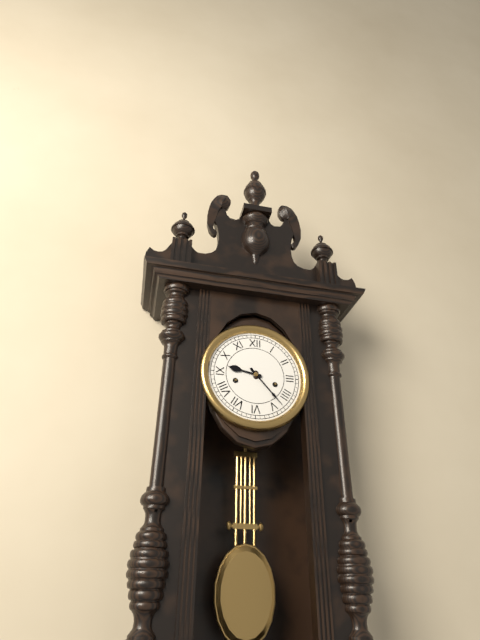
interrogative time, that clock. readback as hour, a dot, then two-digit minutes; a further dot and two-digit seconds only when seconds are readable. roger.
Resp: 9.23
